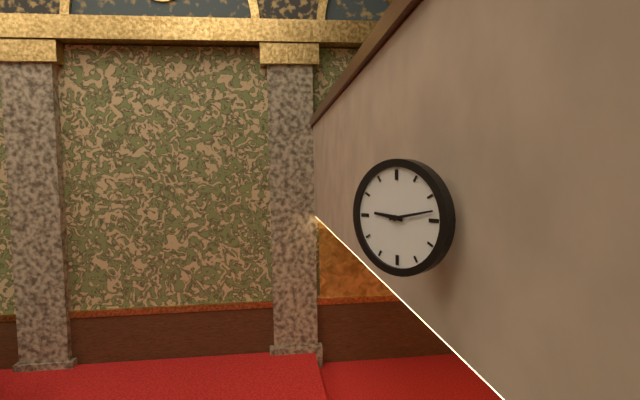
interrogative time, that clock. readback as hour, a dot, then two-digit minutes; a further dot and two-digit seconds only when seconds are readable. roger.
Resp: 9.13
